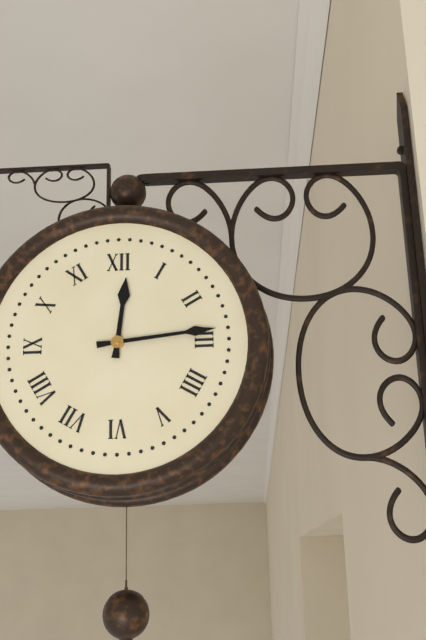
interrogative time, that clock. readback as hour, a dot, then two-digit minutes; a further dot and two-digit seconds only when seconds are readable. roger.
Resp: 12.14
